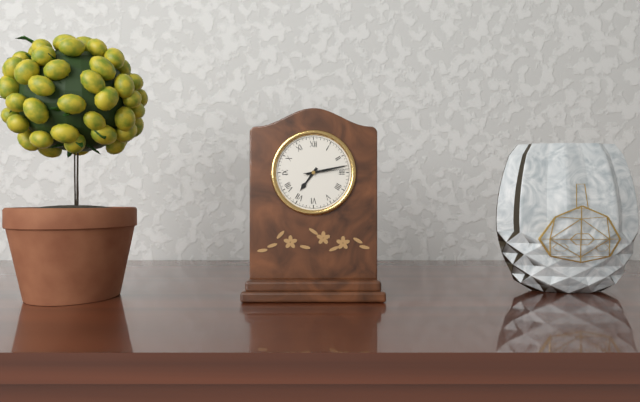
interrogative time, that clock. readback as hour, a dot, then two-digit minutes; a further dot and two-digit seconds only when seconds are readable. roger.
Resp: 7.13
